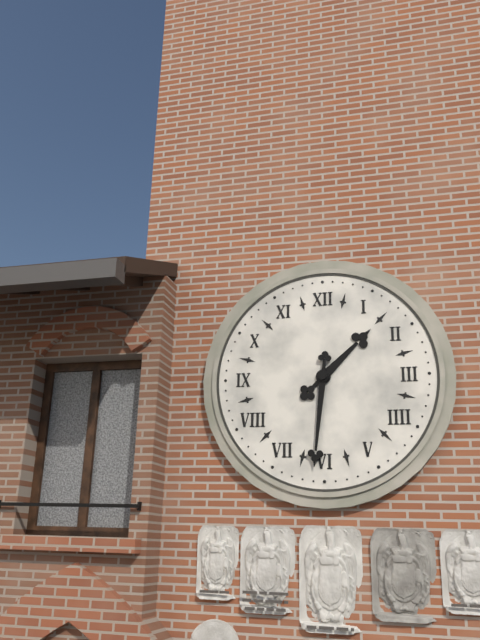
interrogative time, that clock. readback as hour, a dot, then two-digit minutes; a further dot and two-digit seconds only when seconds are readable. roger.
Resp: 1.31
